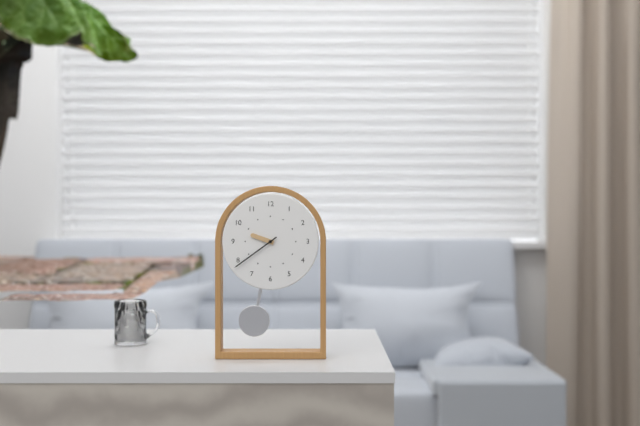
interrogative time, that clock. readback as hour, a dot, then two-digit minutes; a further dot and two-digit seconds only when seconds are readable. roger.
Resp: 9.39
